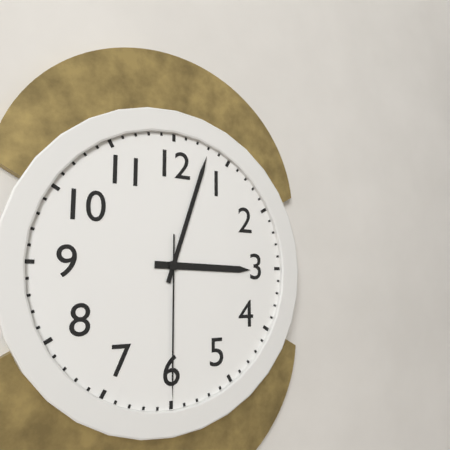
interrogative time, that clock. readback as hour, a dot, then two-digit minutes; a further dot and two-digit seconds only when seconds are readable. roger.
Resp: 3.03.30
